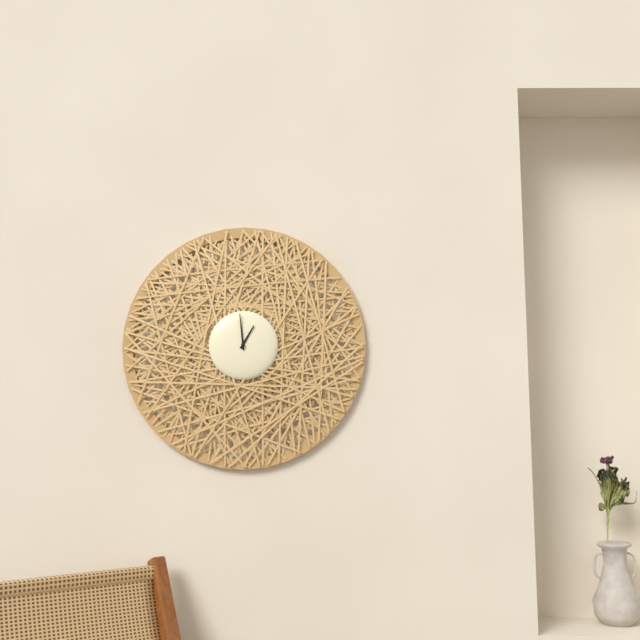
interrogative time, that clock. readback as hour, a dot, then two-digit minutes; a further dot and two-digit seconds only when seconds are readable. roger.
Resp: 12.59
